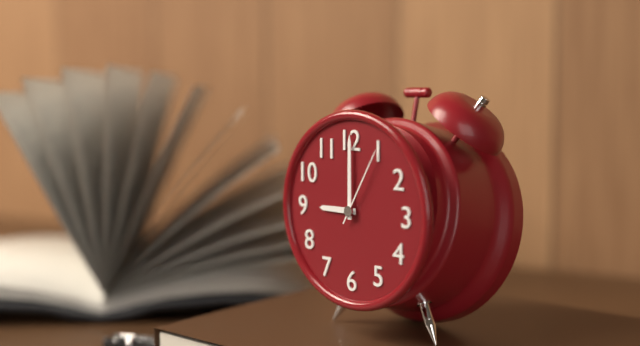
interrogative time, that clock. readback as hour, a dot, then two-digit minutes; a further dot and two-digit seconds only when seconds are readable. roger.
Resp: 9.00.05
